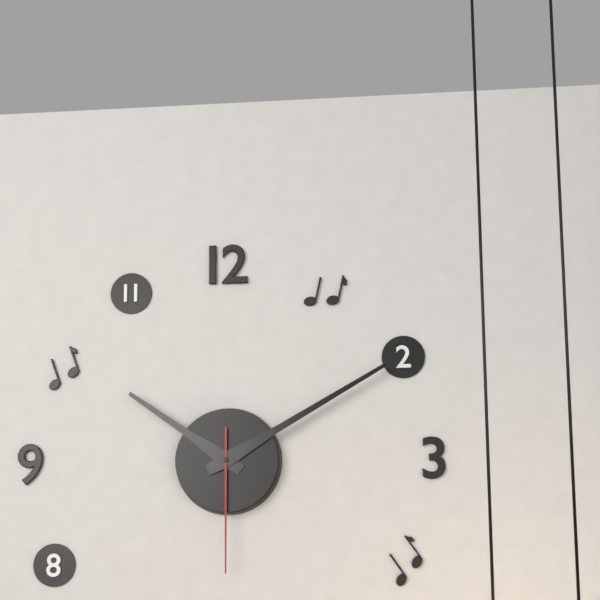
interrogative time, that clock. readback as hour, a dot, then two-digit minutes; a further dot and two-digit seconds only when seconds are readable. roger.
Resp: 10.10.30
